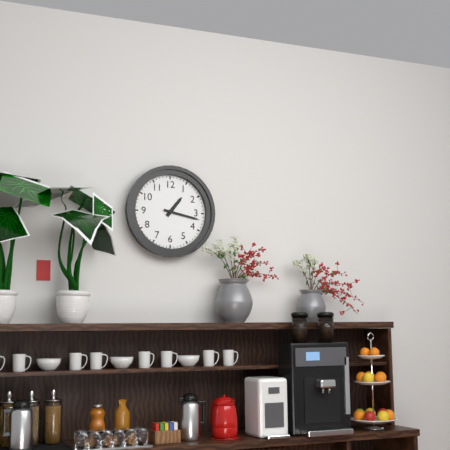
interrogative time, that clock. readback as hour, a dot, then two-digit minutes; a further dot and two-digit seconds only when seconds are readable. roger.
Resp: 1.17
